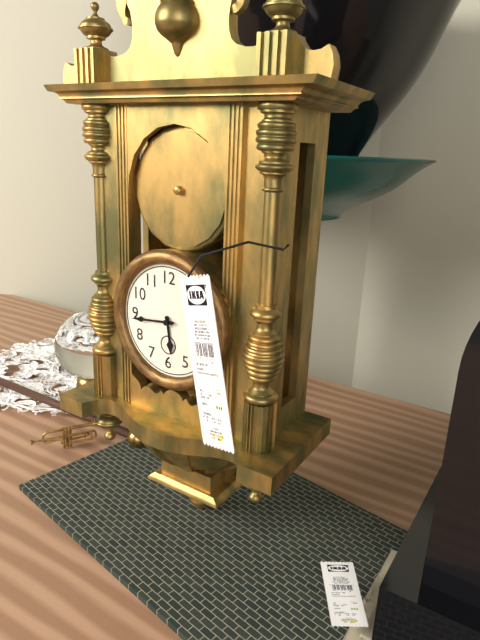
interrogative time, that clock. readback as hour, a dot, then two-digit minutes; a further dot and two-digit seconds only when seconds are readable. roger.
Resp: 5.44
